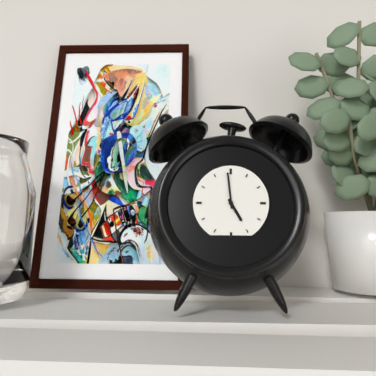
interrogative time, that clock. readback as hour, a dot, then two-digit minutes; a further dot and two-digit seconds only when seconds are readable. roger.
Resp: 4.59
